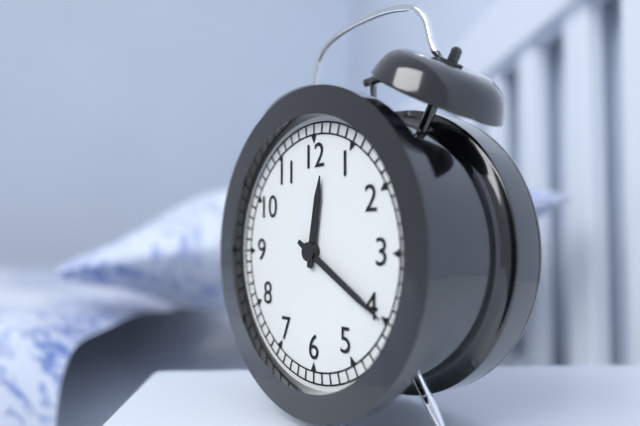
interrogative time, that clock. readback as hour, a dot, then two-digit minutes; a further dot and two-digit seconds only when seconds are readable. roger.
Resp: 12.20
